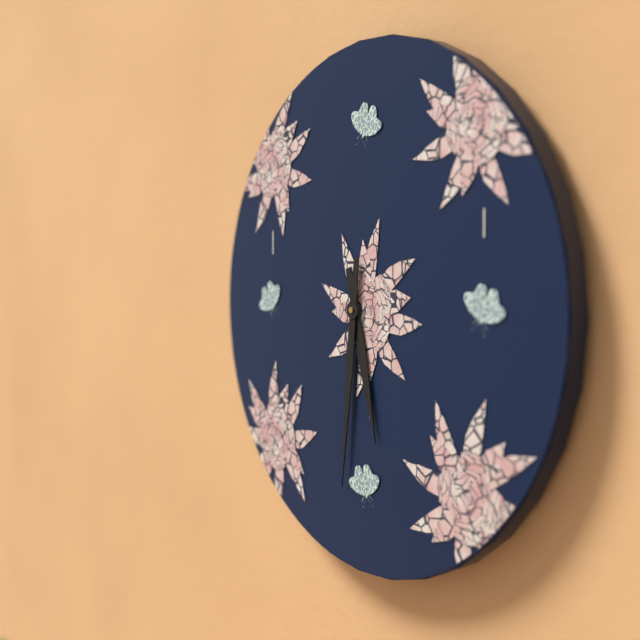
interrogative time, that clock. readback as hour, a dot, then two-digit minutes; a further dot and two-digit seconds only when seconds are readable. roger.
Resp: 5.31
